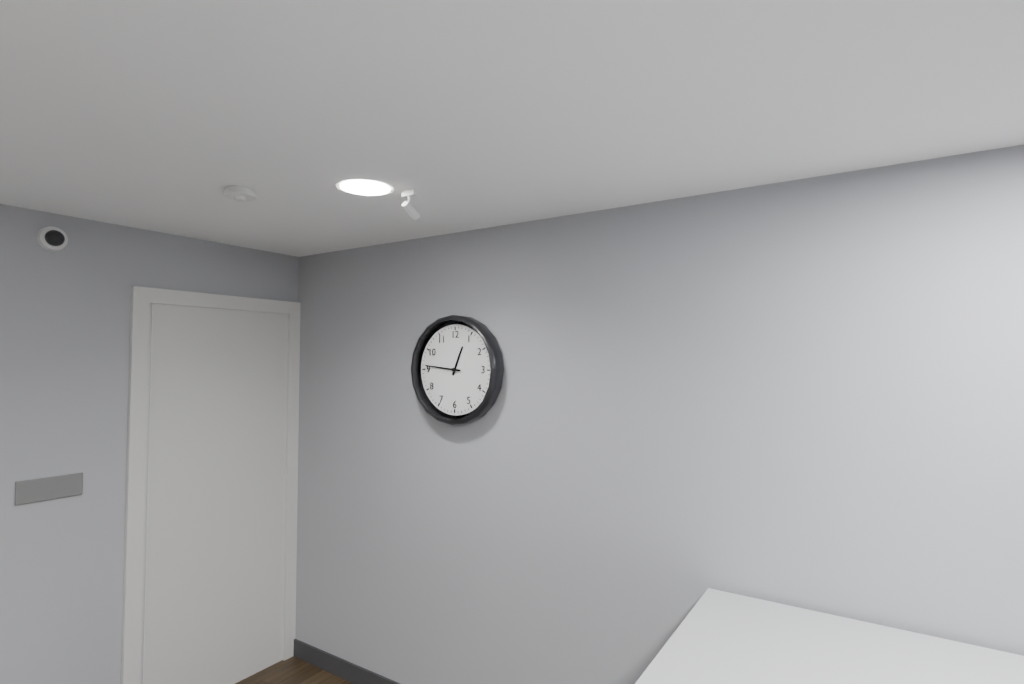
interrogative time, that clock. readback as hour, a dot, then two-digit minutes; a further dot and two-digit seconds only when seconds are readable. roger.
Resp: 12.46
